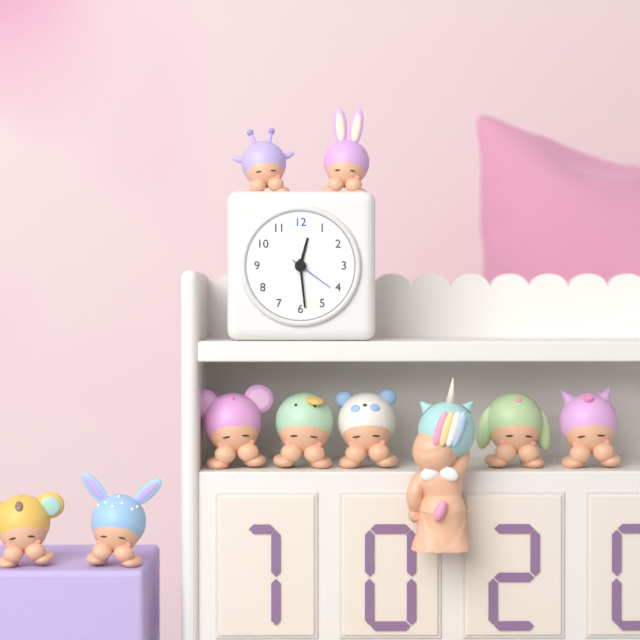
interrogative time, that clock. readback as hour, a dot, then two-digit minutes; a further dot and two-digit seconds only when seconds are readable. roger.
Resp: 12.29
